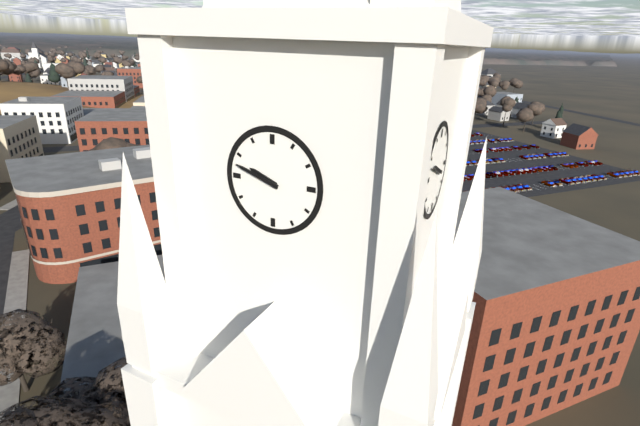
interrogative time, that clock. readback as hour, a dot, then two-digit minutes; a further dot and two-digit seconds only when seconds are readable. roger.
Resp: 9.48
